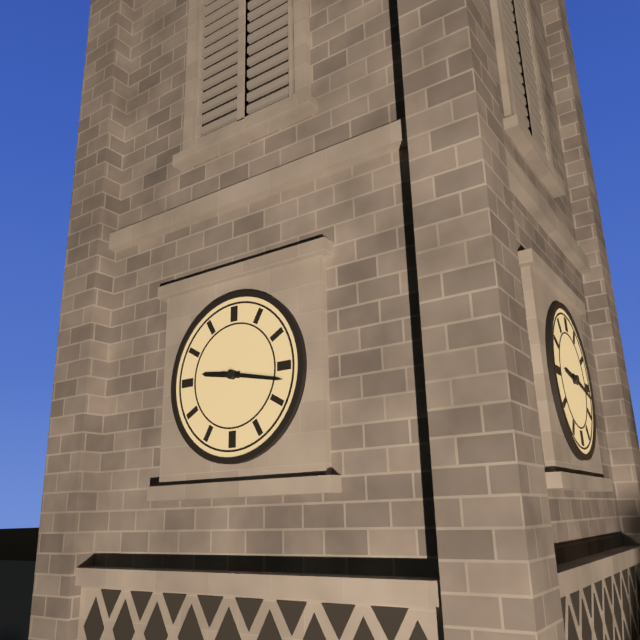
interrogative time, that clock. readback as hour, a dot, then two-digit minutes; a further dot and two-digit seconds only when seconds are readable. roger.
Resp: 9.17
